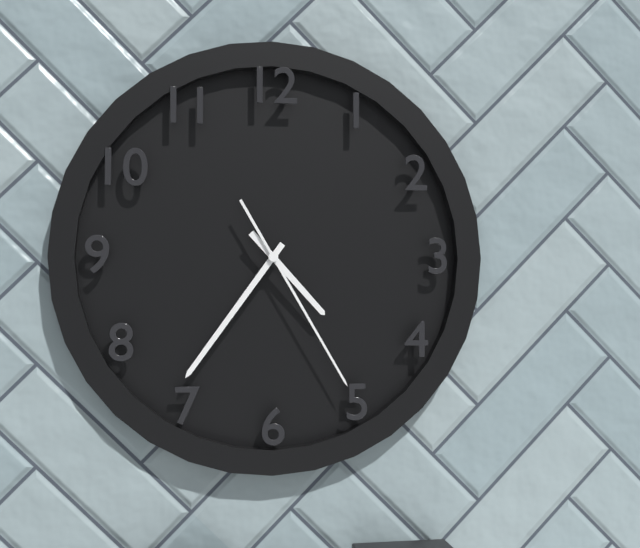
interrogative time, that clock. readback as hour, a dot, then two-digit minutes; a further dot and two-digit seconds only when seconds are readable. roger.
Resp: 4.36.25
